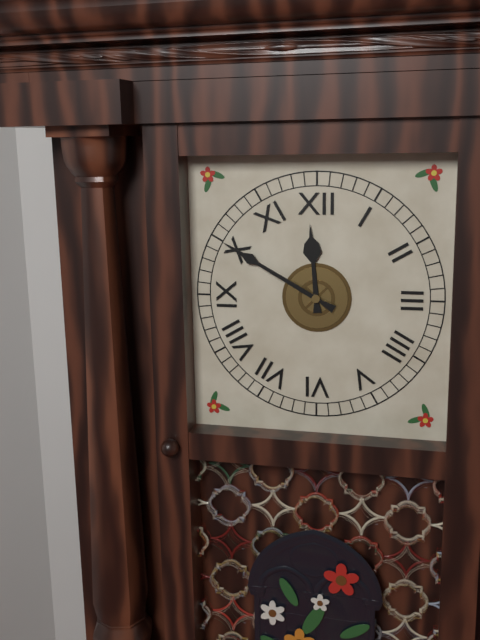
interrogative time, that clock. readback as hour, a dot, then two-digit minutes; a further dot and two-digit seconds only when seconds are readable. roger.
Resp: 11.50
